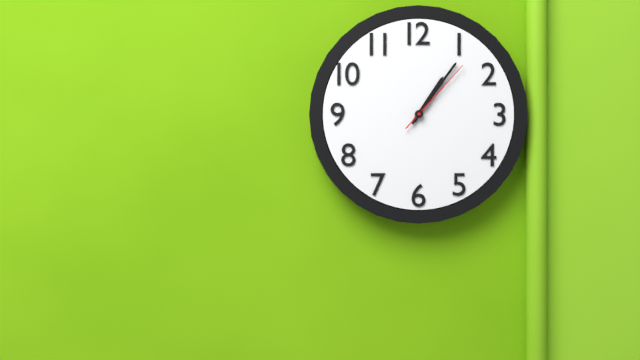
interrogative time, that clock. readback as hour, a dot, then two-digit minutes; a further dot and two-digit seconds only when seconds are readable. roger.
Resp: 1.06.07
